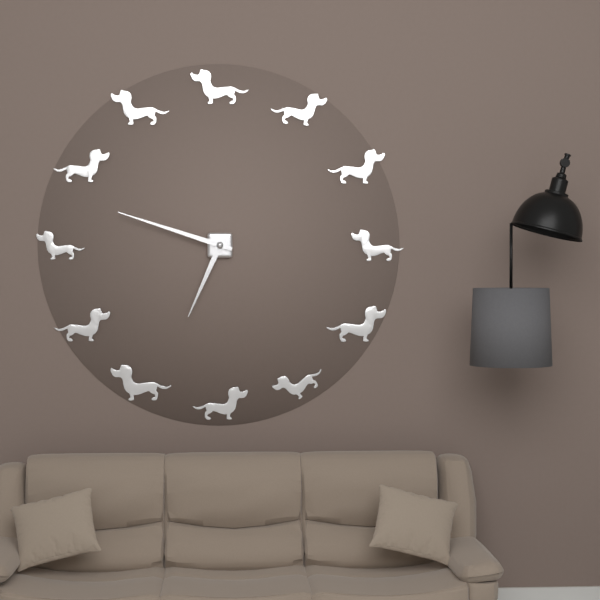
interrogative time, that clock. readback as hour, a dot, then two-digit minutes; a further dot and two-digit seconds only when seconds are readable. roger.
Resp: 6.48
